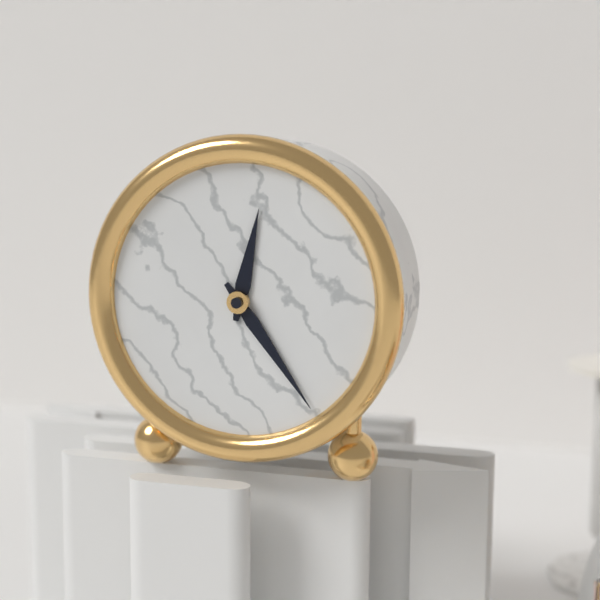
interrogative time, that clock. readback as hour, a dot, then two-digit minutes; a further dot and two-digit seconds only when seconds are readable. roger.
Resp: 12.24
